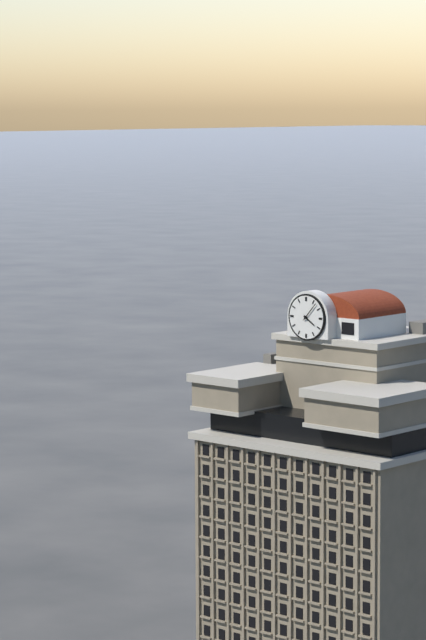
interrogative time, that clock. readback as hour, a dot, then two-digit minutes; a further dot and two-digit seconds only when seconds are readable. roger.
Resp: 4.07
